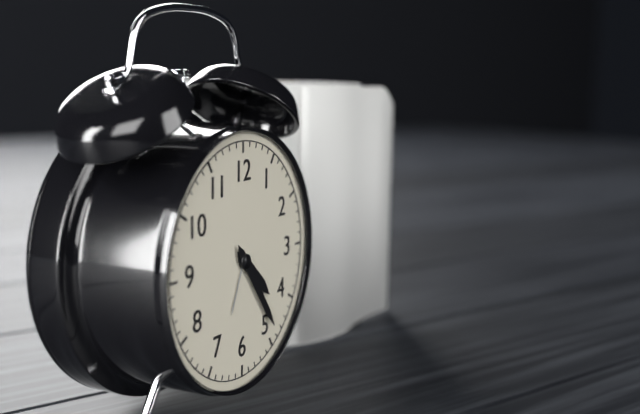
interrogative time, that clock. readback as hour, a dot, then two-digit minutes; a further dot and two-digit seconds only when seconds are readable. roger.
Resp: 4.24
